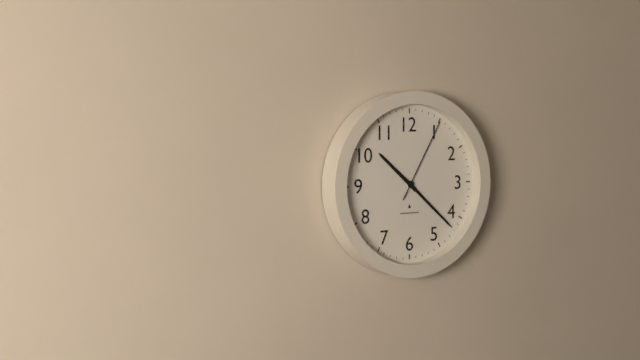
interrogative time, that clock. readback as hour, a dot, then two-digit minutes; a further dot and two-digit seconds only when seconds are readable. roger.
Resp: 10.22.05
